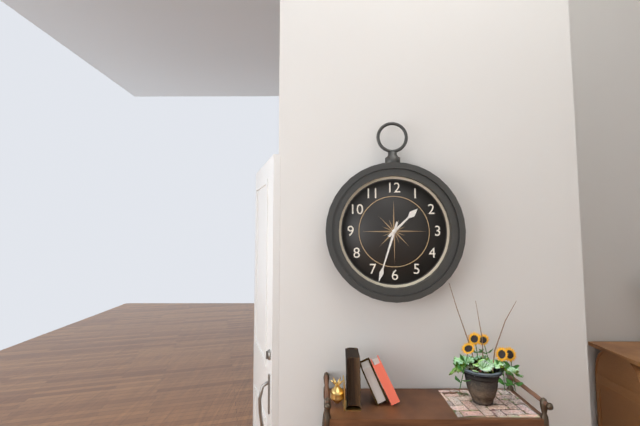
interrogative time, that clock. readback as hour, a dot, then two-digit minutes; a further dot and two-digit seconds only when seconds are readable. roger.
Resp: 1.33
